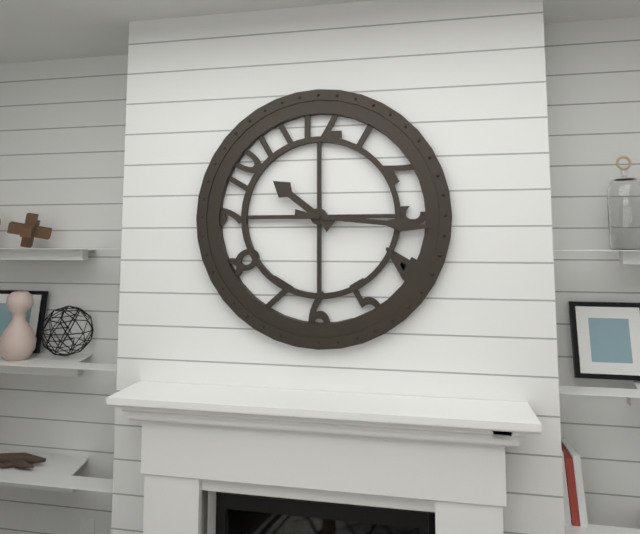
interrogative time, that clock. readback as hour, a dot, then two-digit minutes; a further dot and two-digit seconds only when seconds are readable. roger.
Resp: 10.16
